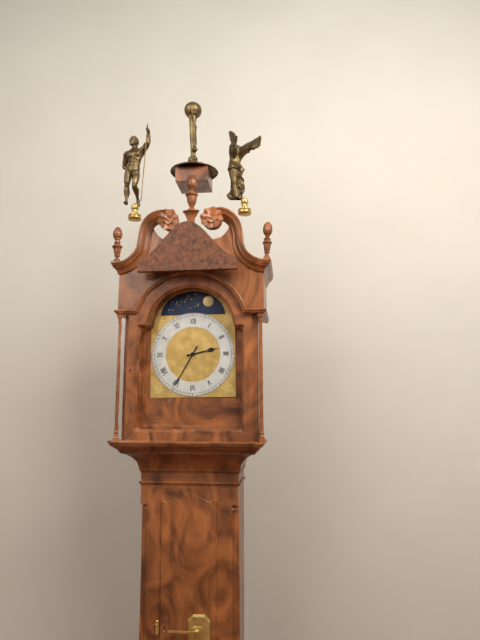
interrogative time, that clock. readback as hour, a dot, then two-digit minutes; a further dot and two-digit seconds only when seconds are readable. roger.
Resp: 2.35
